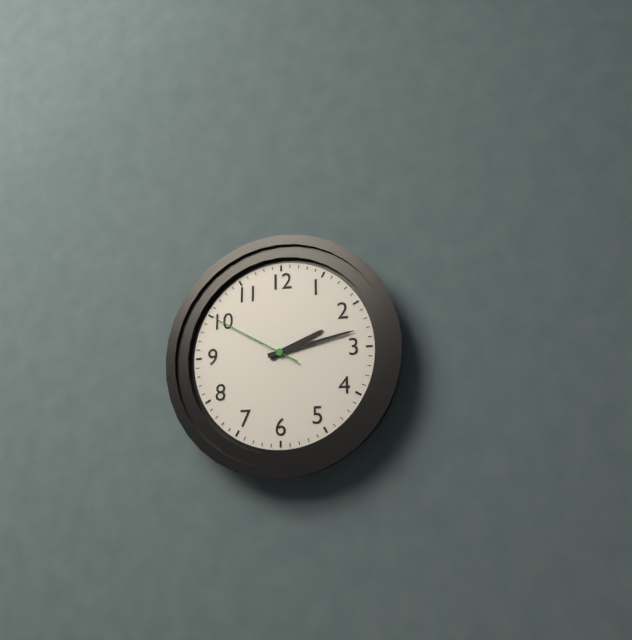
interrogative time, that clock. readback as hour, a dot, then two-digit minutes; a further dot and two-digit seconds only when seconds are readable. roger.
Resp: 2.13.50
